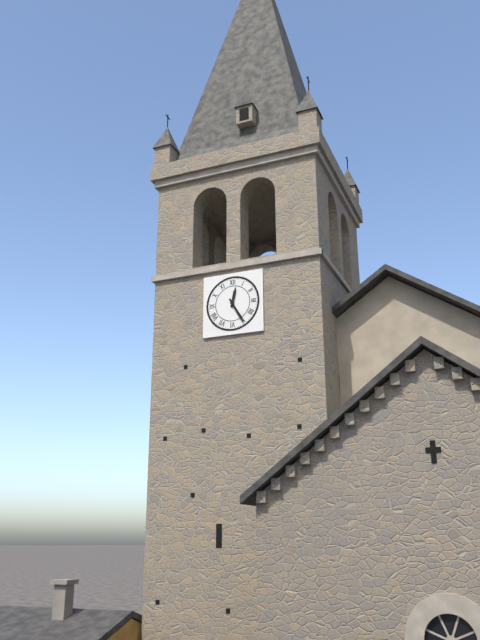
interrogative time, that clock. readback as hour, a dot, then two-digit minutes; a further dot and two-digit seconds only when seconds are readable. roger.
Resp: 12.25
